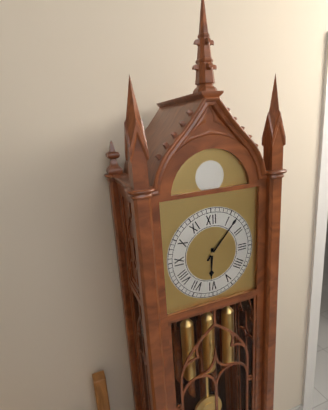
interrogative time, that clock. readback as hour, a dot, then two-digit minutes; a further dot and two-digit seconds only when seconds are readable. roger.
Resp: 6.07
